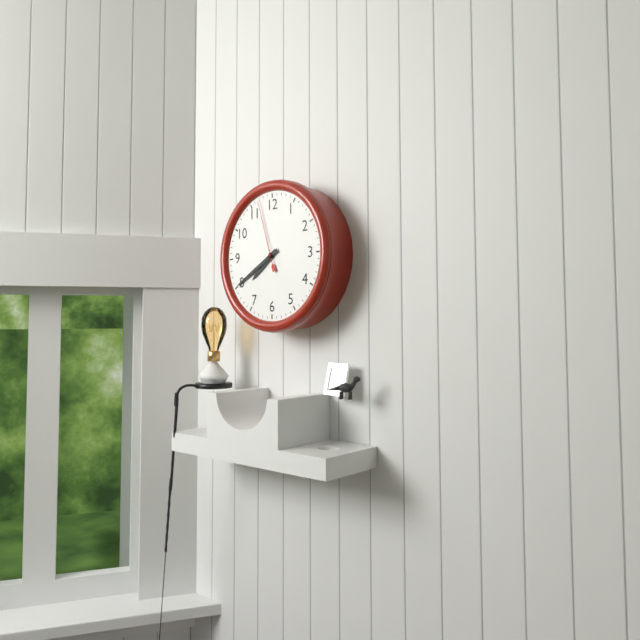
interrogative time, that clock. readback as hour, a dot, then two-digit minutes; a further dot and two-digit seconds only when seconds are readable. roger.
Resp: 7.40.57
